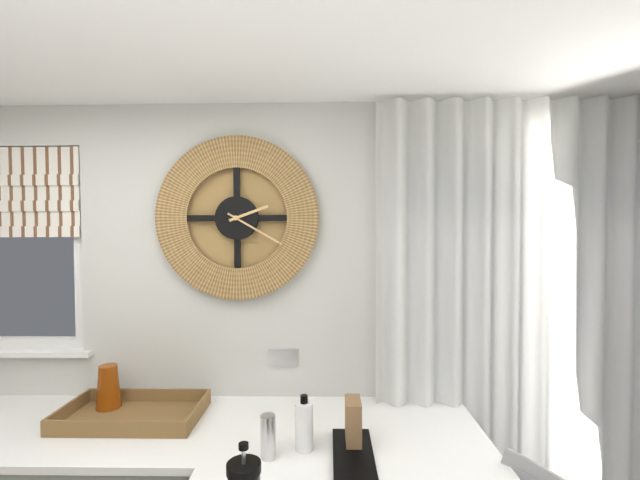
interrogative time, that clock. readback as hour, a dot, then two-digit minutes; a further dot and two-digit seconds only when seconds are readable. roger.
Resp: 2.20
